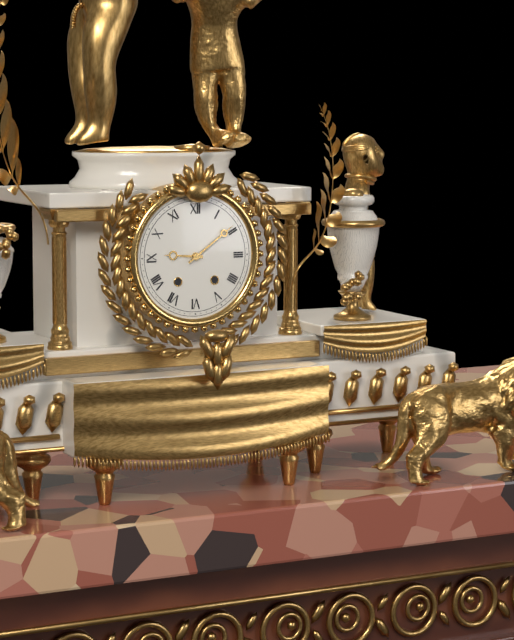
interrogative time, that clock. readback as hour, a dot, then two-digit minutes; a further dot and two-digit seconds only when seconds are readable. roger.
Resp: 9.09
